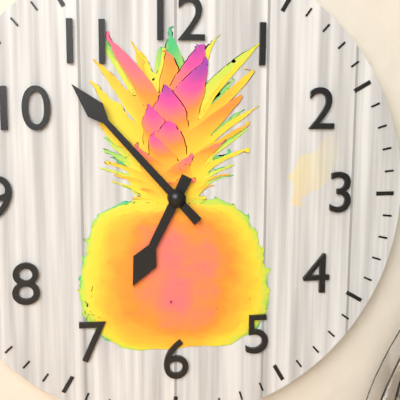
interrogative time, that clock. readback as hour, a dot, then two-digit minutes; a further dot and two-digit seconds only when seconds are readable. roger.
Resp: 6.53
